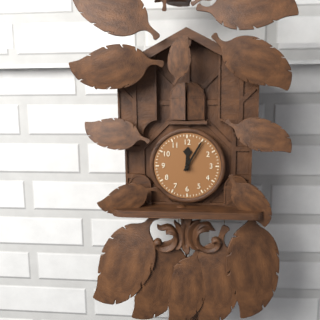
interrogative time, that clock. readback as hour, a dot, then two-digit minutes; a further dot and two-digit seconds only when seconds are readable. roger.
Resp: 12.05
